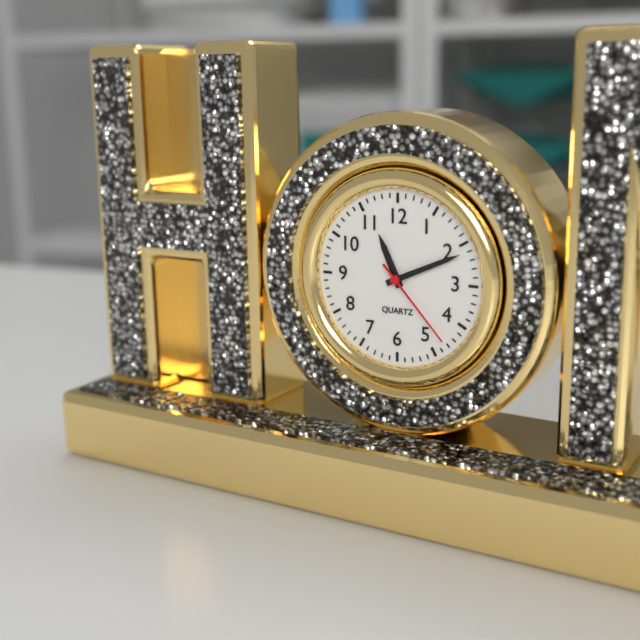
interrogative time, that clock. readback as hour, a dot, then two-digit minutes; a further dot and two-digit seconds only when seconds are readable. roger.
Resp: 11.11.23
